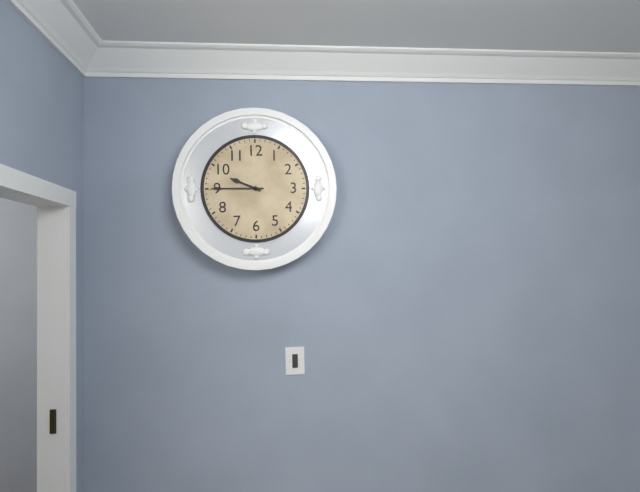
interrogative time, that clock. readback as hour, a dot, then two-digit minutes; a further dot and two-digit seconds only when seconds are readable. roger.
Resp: 9.45
